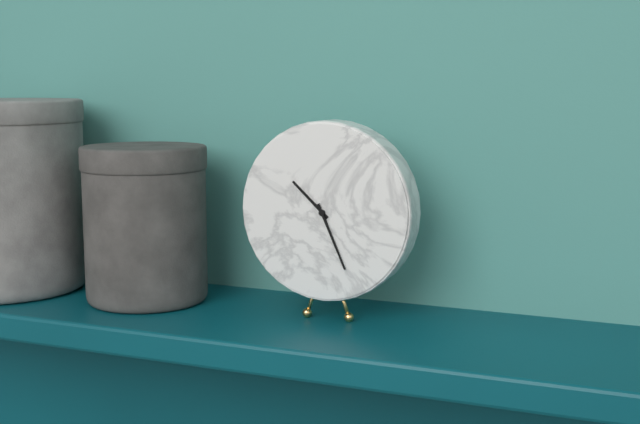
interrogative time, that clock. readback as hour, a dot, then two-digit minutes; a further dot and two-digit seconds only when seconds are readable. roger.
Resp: 10.26
